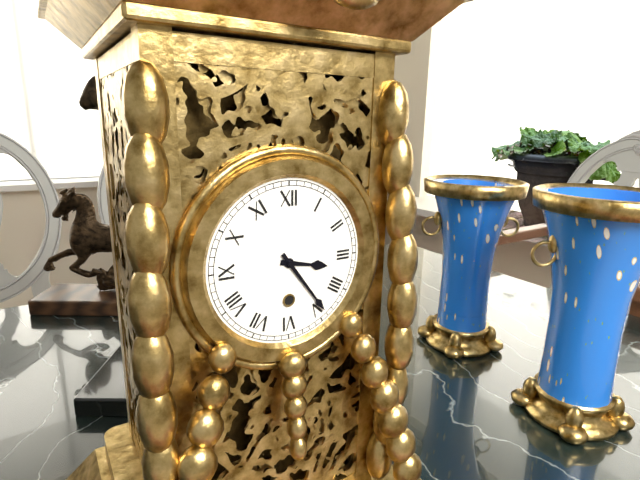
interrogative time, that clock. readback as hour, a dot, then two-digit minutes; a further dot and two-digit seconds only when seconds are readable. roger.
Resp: 3.24
